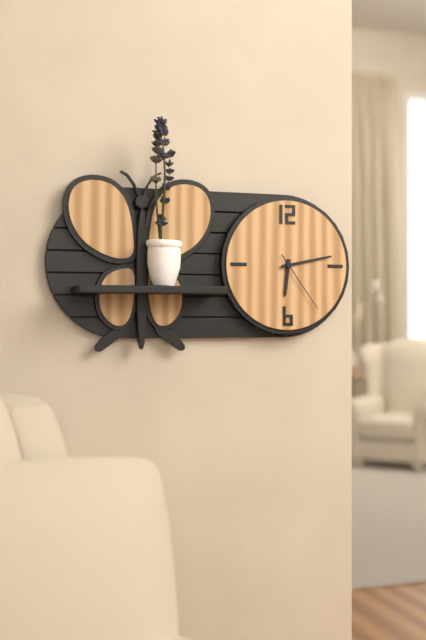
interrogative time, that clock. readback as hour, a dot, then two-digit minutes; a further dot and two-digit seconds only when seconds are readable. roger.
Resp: 6.13.24
